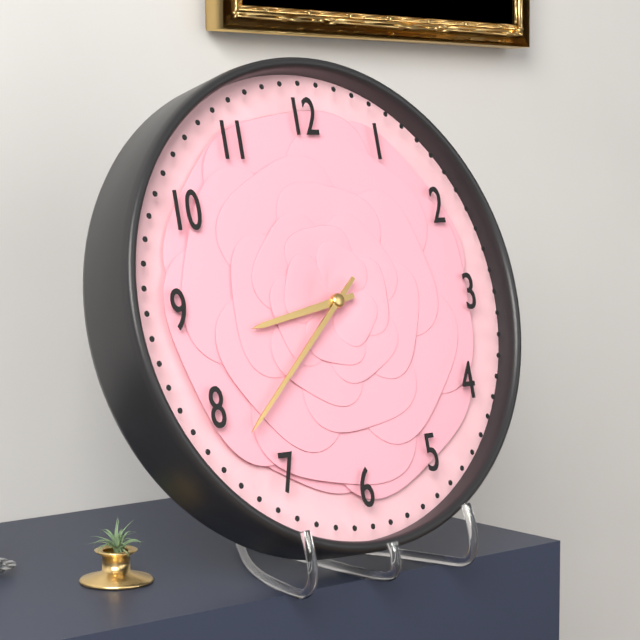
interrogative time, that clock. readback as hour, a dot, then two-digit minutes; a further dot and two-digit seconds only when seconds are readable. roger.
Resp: 8.38
